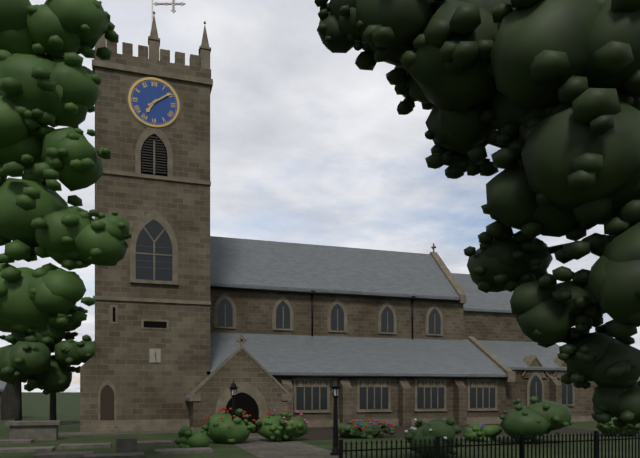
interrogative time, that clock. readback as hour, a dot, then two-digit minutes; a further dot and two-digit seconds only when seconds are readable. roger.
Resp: 7.09
